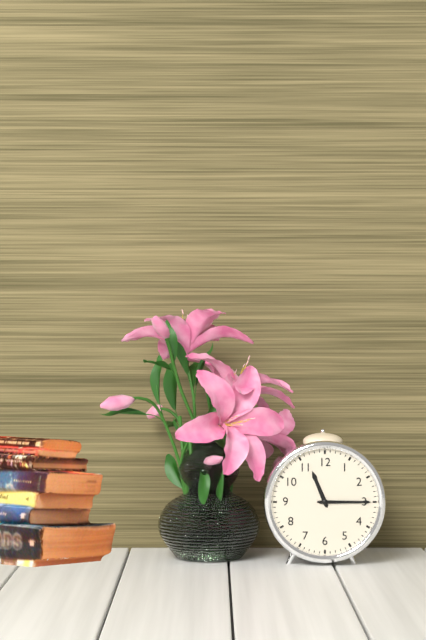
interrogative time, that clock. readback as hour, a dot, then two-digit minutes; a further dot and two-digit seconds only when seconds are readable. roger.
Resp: 11.15
